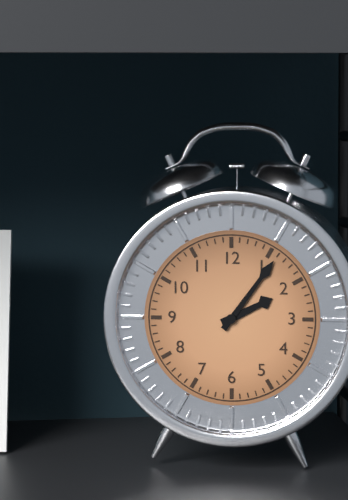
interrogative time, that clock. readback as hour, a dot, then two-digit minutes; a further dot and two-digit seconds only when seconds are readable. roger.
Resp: 2.06
